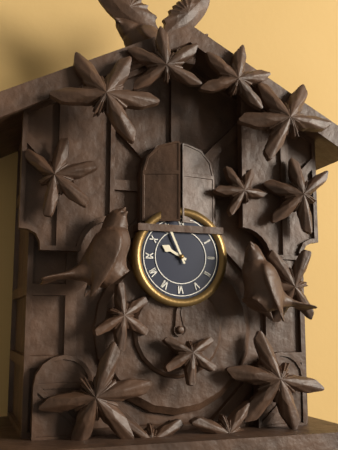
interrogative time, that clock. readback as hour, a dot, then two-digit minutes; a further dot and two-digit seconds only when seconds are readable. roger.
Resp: 9.56
